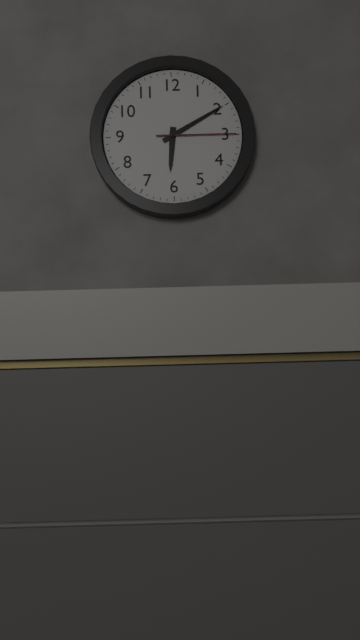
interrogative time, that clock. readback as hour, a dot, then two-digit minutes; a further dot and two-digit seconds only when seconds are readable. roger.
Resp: 6.10.15
